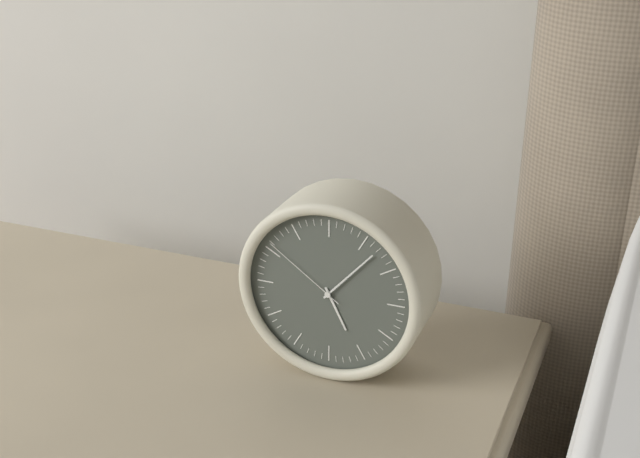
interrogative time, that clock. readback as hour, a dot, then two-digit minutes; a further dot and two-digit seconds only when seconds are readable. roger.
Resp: 5.07.51
